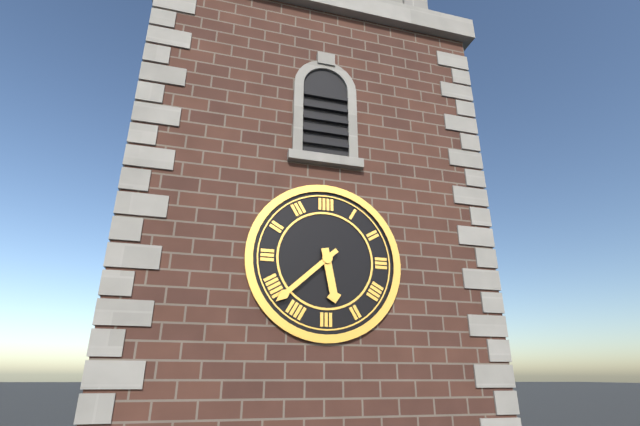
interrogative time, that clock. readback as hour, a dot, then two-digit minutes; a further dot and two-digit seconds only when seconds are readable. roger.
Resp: 5.38
